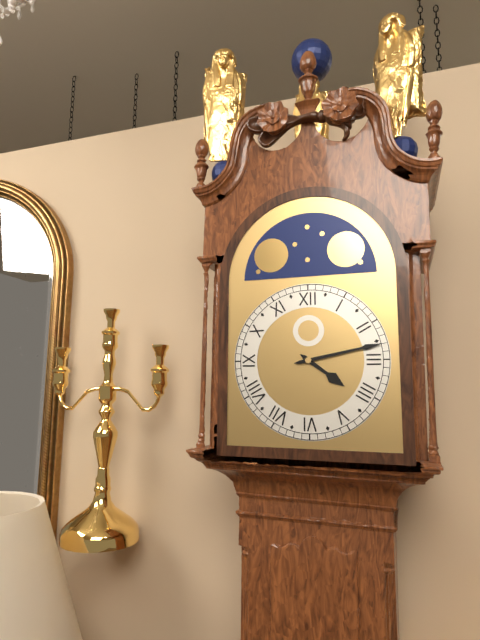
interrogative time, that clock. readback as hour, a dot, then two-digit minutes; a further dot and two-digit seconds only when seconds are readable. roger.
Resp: 4.13
